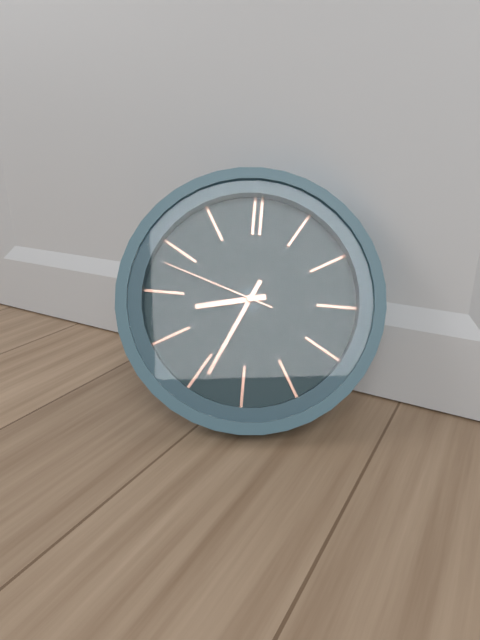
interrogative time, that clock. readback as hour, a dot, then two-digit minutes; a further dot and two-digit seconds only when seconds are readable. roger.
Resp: 8.34.48
